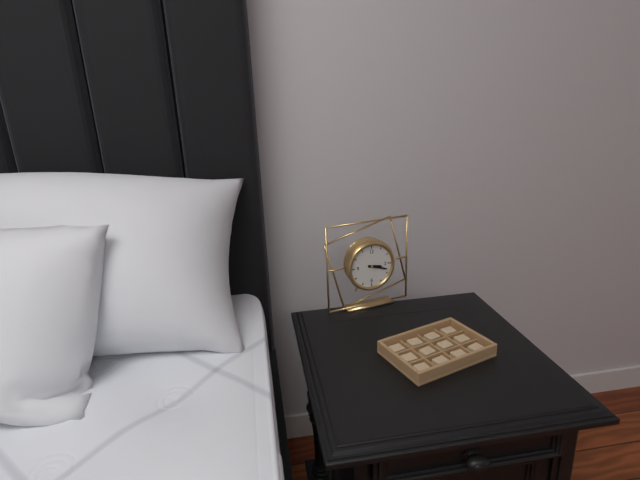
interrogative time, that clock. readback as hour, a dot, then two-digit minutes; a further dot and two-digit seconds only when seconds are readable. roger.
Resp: 3.18
